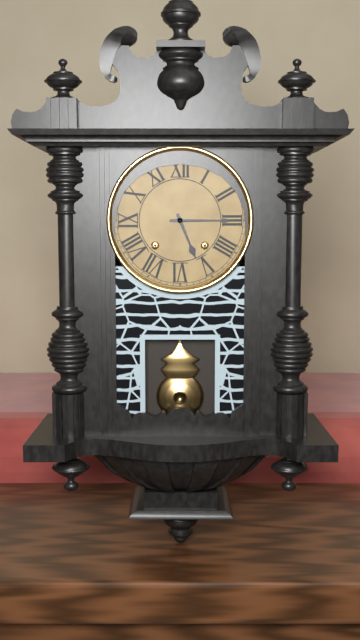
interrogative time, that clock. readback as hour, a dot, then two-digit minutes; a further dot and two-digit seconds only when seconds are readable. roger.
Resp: 5.15
